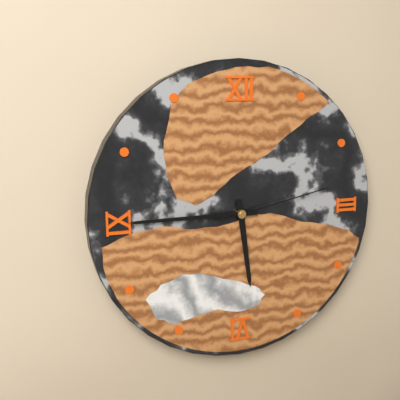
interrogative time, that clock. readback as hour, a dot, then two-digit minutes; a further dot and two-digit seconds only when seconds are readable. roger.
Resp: 5.45.13
